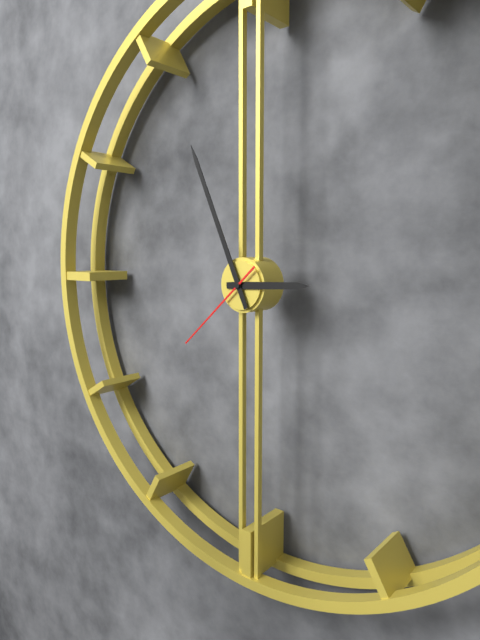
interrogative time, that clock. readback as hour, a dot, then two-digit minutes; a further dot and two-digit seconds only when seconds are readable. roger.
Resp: 2.56.38
